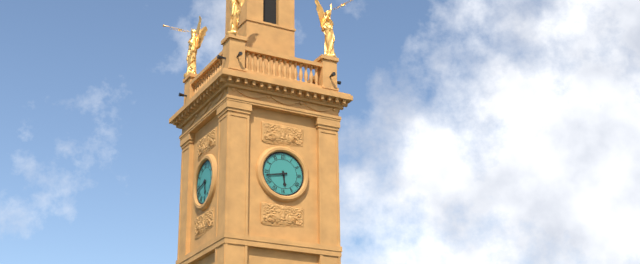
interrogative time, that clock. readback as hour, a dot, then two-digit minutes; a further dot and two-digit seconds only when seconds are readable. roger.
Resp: 5.43
